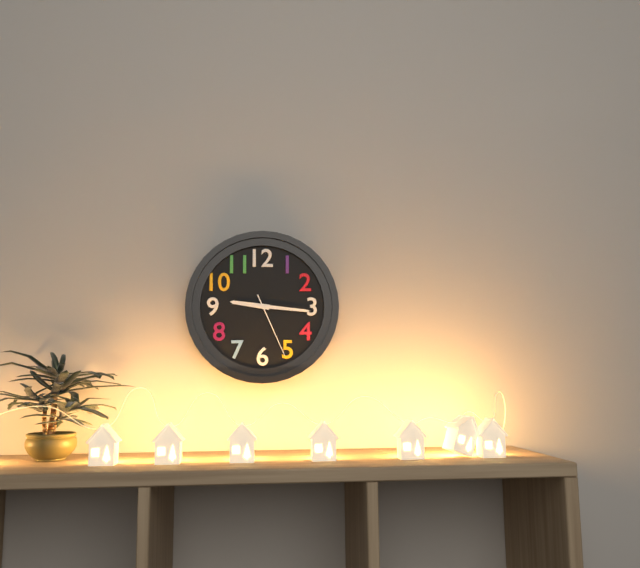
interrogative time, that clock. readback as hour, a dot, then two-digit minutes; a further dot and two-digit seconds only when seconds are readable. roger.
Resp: 9.16.26
